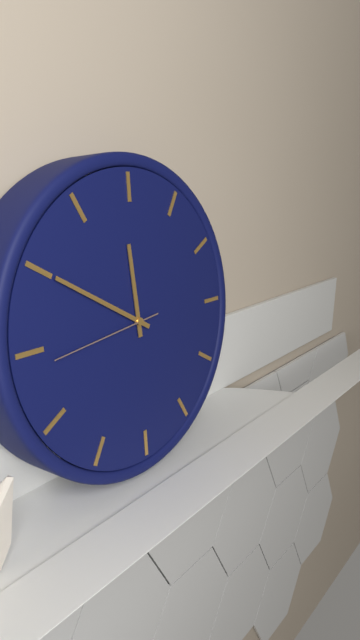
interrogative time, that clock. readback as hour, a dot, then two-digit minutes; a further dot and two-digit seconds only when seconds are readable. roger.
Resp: 11.50.44
